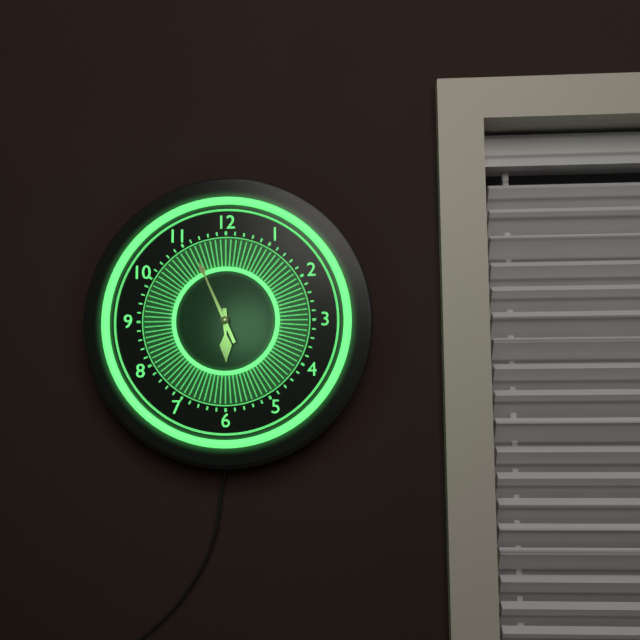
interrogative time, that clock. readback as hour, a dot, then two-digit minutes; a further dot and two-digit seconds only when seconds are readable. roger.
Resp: 5.56
